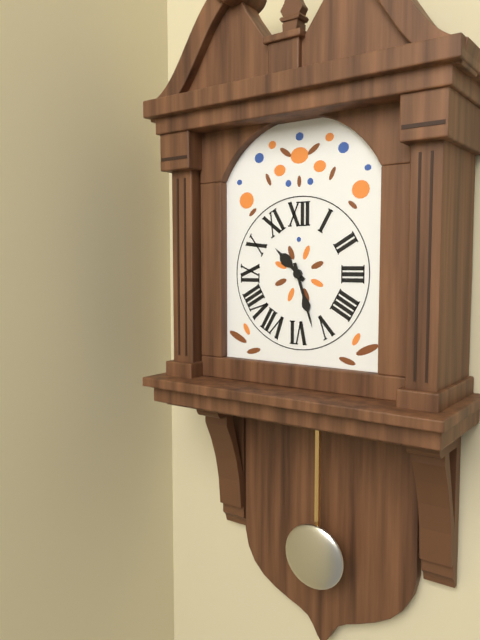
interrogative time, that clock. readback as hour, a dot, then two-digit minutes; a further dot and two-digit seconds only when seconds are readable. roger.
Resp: 10.27
